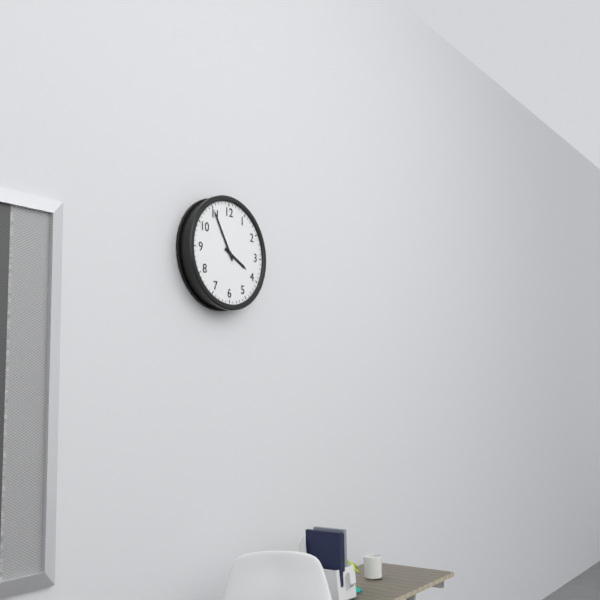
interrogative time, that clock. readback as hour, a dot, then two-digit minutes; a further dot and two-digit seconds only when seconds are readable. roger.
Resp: 3.55
